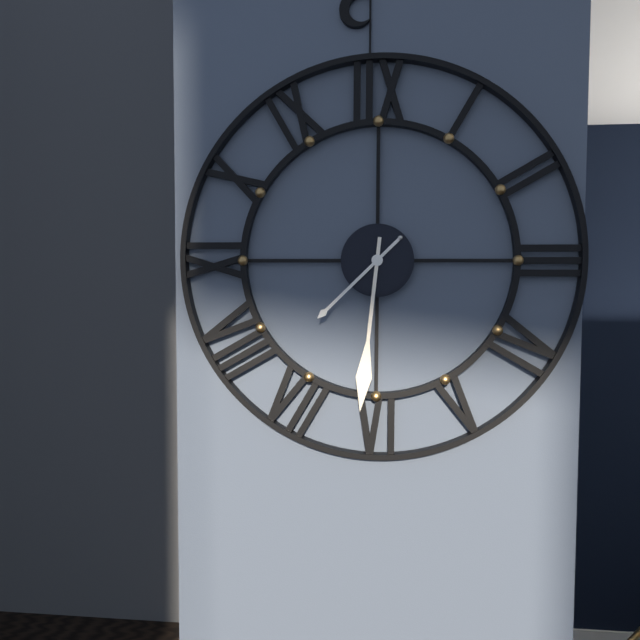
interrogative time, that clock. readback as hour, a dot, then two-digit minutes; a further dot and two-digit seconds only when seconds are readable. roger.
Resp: 7.31
